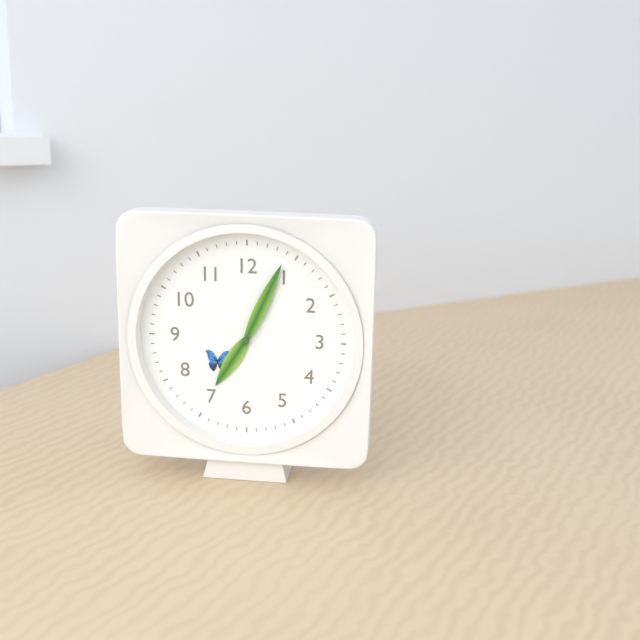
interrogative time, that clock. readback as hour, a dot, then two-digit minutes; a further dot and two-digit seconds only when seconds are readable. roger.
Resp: 7.04
